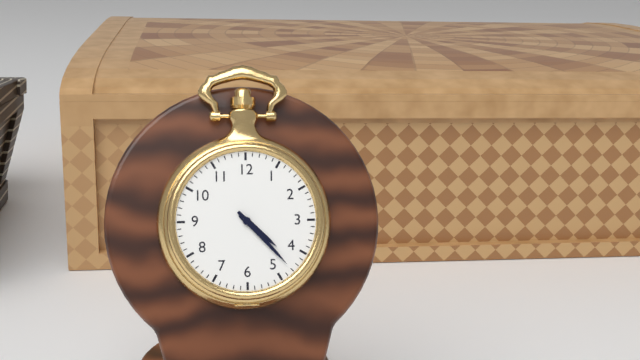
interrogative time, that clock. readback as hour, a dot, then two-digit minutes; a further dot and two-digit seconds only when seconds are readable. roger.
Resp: 4.23
